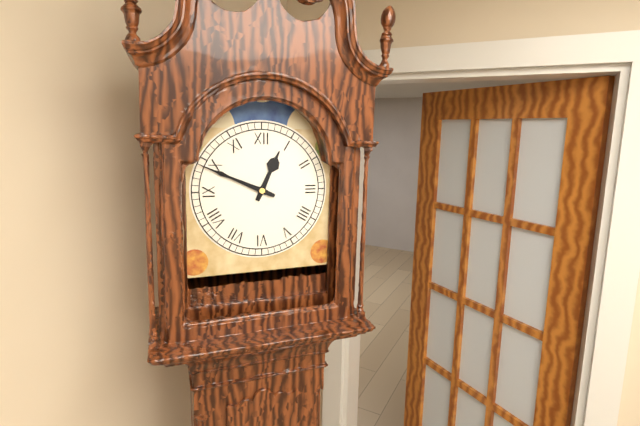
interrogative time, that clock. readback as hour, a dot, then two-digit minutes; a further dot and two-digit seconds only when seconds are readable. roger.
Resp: 12.49
